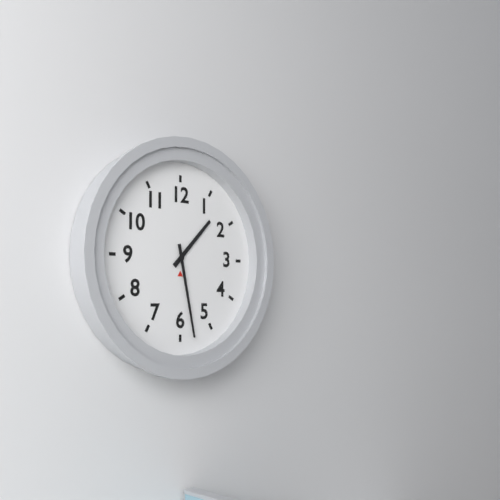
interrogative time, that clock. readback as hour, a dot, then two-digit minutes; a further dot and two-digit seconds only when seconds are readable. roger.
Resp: 1.28
